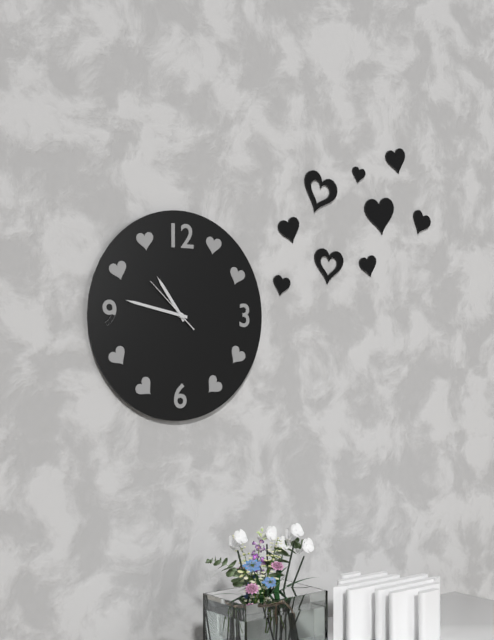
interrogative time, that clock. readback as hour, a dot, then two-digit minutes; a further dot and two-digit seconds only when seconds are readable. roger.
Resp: 10.47.52
